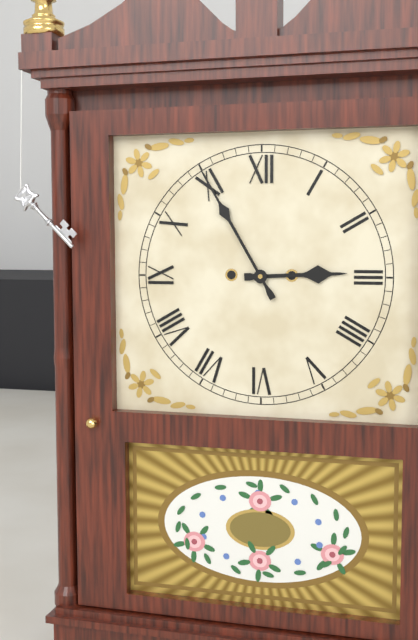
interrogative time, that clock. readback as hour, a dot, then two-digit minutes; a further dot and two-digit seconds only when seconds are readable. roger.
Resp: 2.55
